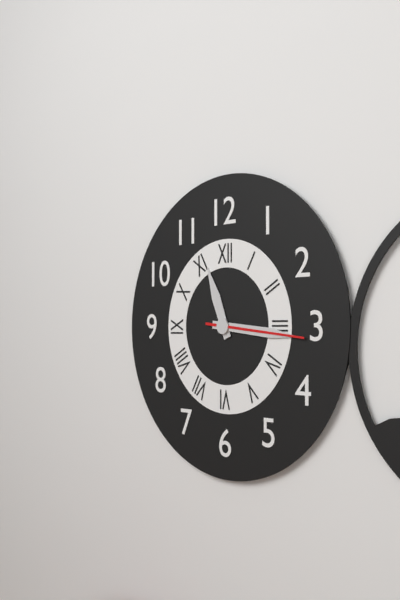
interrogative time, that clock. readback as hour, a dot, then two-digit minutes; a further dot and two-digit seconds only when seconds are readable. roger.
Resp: 11.16.16
